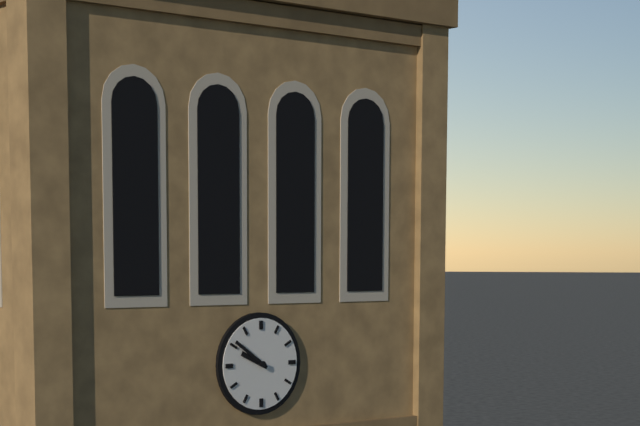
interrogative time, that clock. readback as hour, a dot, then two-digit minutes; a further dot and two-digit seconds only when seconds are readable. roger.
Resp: 9.51
